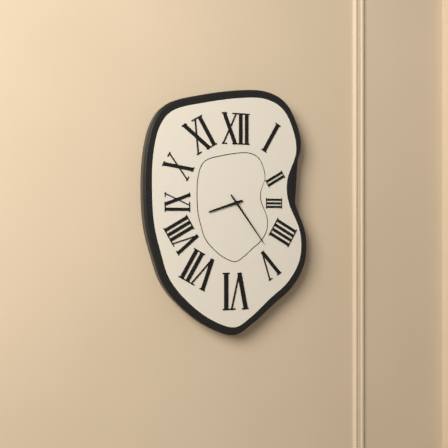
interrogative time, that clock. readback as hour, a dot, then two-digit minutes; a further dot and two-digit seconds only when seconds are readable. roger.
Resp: 8.24
